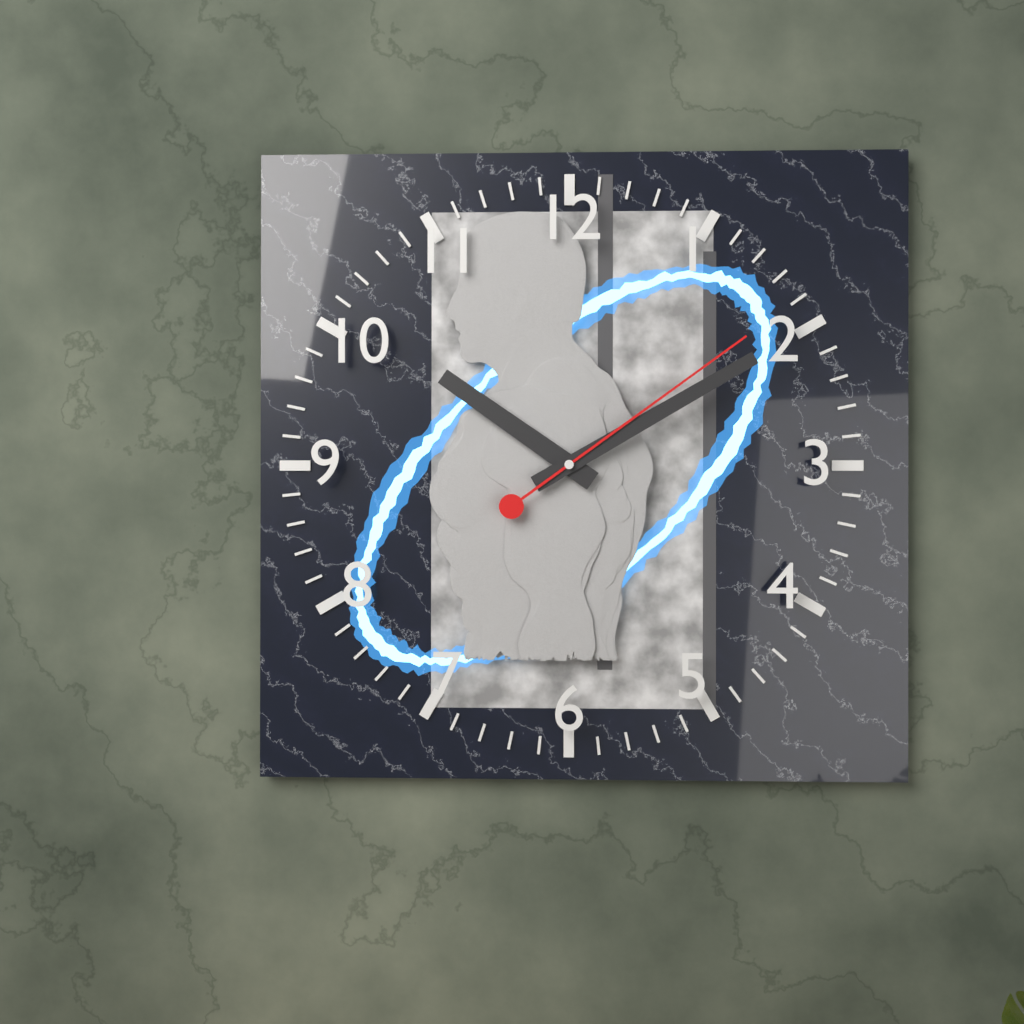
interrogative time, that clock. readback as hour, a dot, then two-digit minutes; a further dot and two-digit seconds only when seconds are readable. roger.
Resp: 10.10.09
